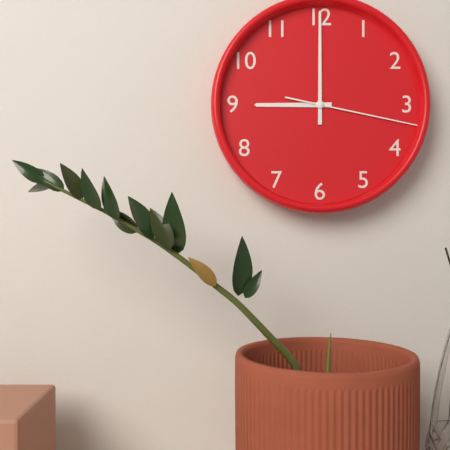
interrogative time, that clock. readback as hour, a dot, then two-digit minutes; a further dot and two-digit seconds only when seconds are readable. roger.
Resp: 9.00.17
